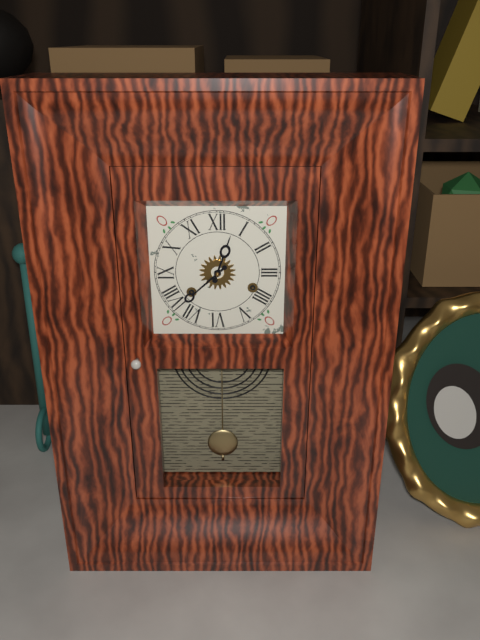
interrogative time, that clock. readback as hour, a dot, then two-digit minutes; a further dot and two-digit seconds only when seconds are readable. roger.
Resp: 12.38
